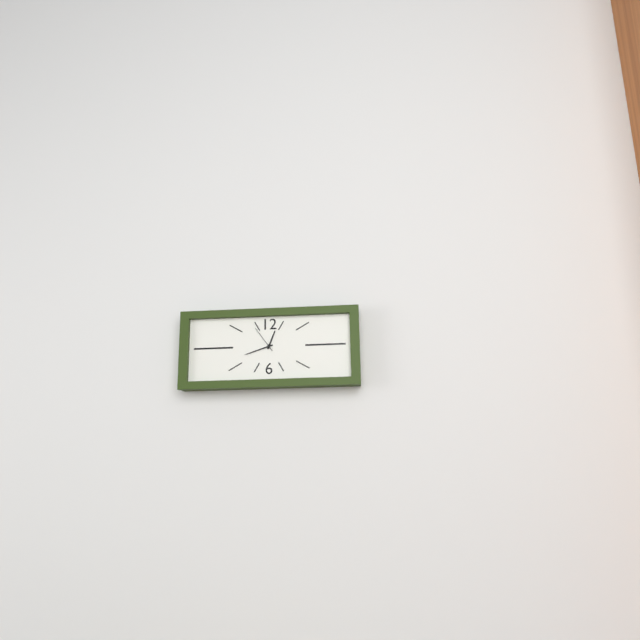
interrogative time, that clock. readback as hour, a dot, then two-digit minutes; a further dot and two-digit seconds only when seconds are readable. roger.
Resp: 12.42
